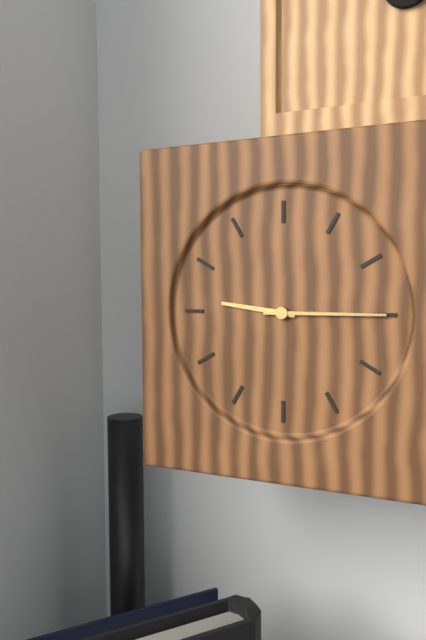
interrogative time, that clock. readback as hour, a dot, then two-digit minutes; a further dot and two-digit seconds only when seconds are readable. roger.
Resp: 9.15
